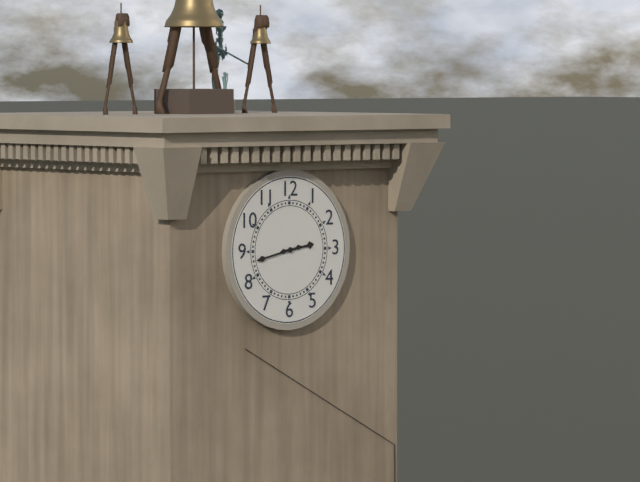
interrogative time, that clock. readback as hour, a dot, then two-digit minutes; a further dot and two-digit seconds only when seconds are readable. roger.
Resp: 2.43
